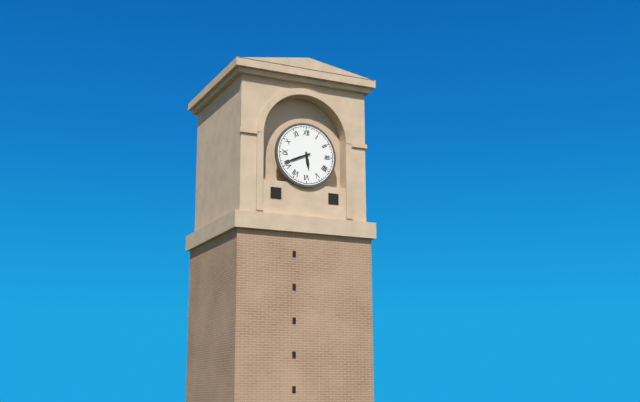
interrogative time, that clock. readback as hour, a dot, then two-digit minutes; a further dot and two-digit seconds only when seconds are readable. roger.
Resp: 5.41
